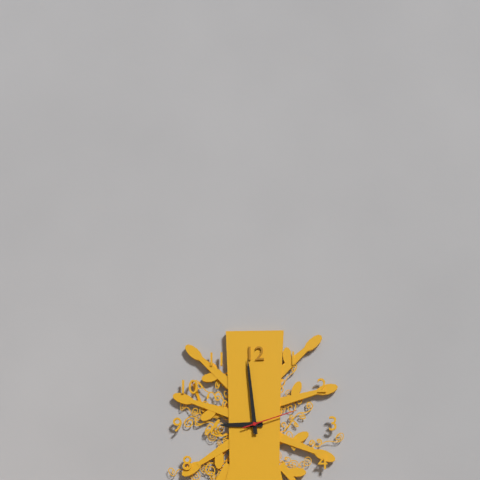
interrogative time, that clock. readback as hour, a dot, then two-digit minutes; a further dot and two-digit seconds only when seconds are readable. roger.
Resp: 8.59.12
